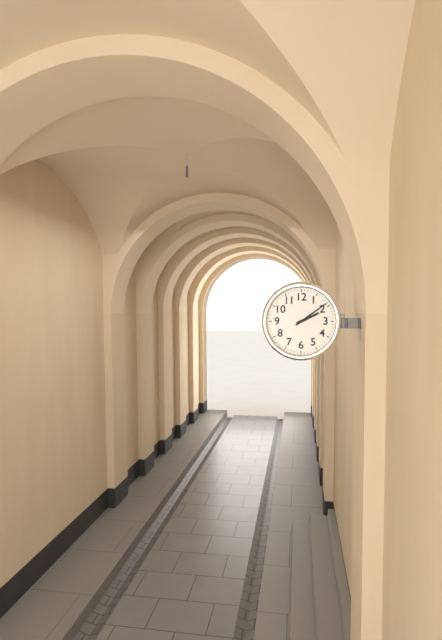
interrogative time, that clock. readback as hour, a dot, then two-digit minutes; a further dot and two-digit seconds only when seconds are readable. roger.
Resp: 2.09
